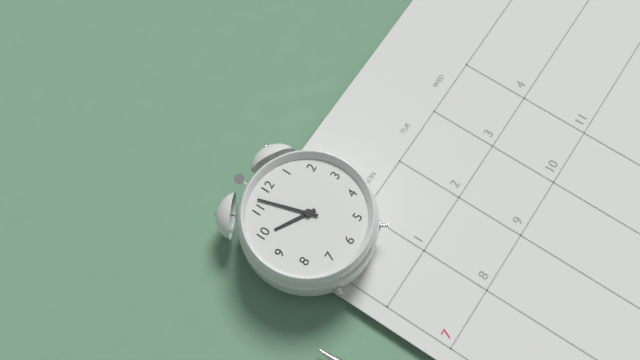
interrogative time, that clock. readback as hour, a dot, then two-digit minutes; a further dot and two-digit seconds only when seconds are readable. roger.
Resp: 9.57
